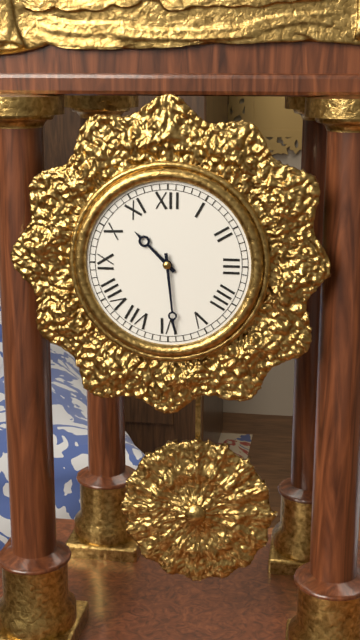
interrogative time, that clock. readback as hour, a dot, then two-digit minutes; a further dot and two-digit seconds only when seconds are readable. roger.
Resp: 10.29
